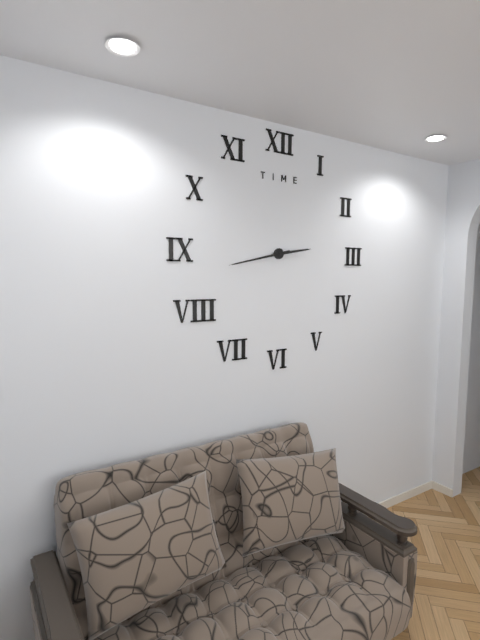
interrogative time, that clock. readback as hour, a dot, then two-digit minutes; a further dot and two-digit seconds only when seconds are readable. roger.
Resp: 2.43
